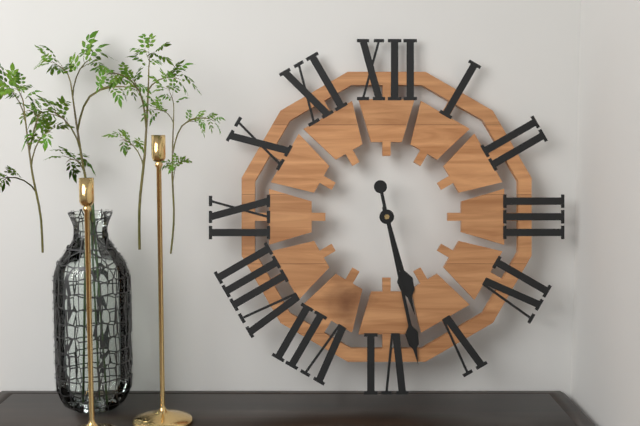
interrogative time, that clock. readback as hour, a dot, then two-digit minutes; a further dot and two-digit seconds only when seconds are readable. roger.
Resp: 5.28
